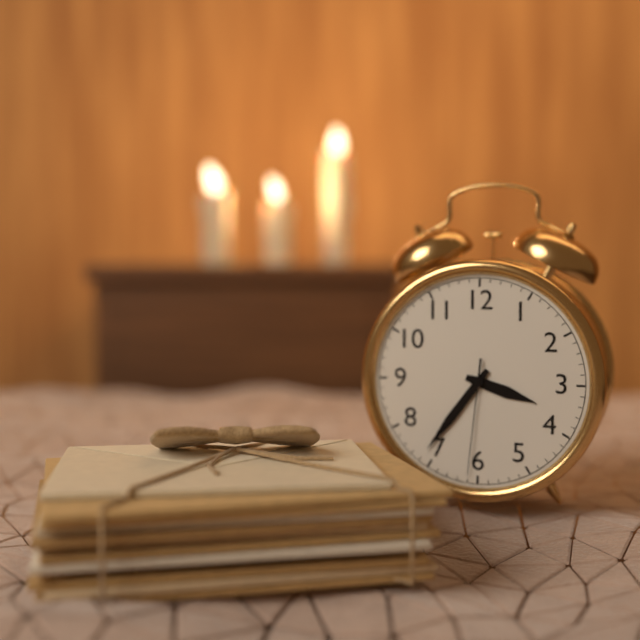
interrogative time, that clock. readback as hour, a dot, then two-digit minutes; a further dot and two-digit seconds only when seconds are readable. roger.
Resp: 3.36.31
